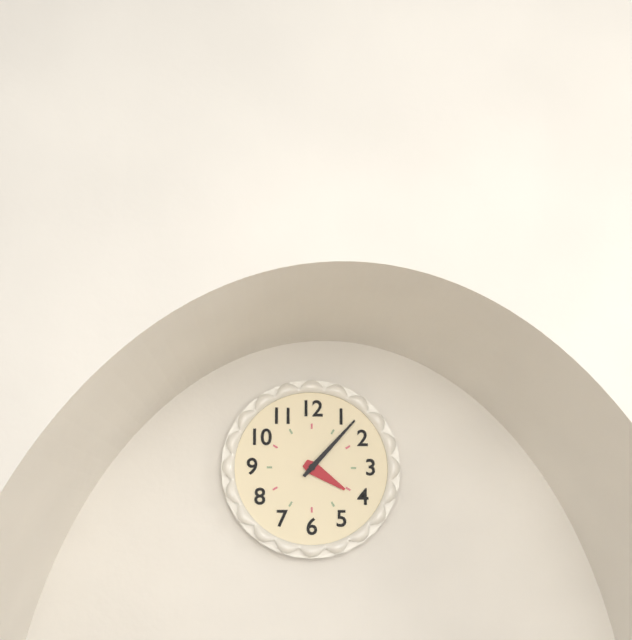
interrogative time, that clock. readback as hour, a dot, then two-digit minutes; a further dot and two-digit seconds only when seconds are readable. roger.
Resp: 4.07
